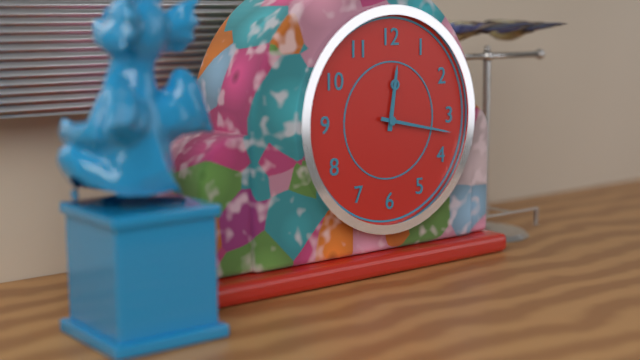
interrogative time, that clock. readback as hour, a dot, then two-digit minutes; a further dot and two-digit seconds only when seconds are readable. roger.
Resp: 12.17
